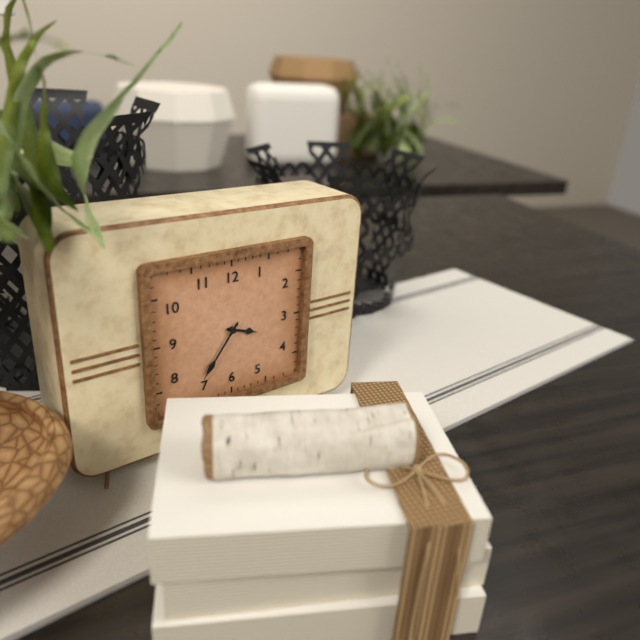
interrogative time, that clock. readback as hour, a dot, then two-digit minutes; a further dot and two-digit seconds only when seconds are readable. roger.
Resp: 3.36
